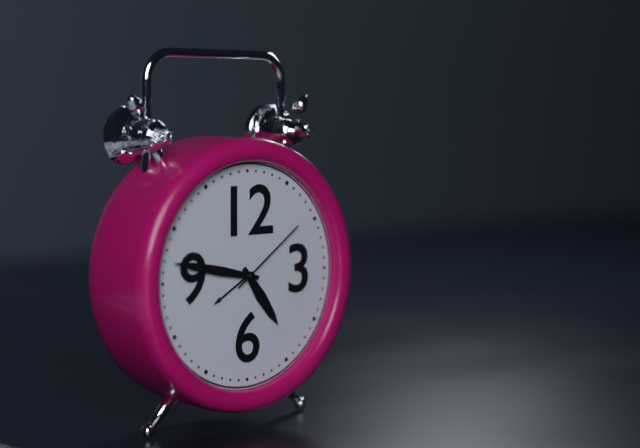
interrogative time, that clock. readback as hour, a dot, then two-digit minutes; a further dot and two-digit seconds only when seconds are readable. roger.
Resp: 4.47.09
